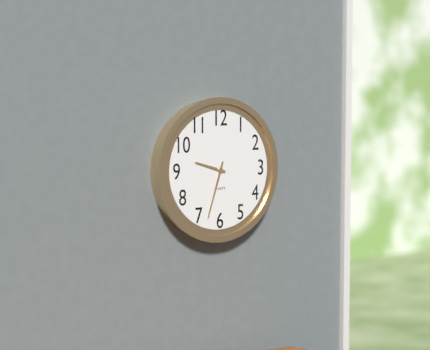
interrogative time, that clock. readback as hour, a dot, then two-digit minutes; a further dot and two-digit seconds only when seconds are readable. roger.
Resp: 9.33
